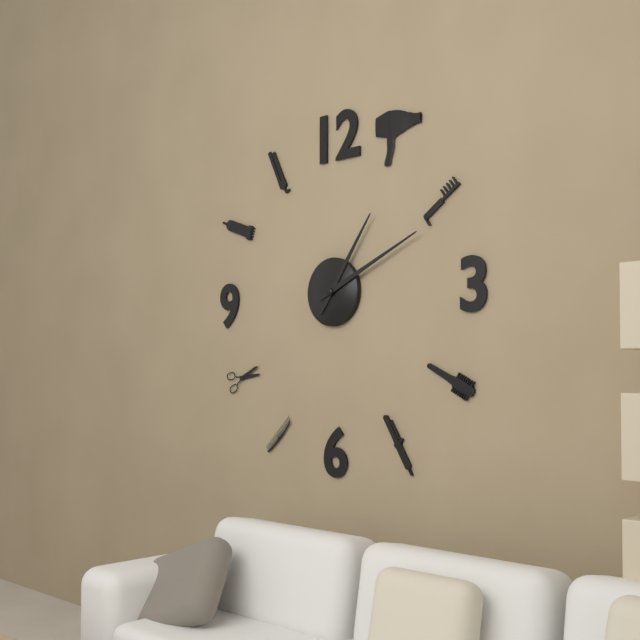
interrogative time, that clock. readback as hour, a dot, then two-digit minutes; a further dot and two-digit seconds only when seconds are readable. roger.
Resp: 1.11
